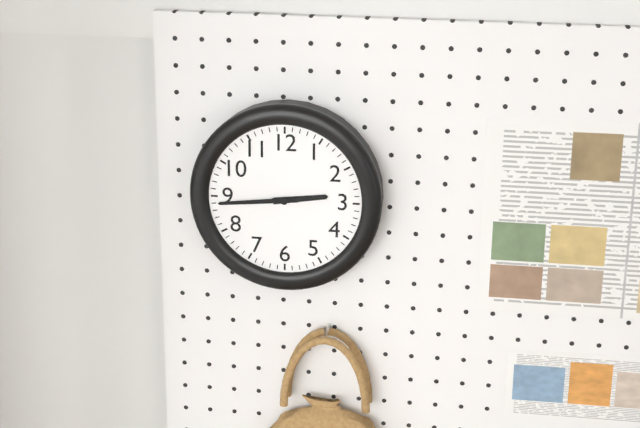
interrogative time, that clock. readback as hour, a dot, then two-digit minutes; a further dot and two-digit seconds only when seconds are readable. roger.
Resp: 2.44
